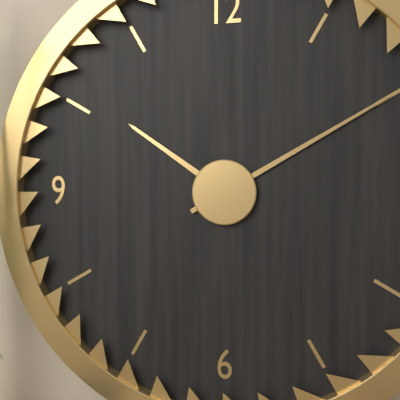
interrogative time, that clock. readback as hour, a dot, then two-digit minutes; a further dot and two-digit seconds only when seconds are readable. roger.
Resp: 10.10
